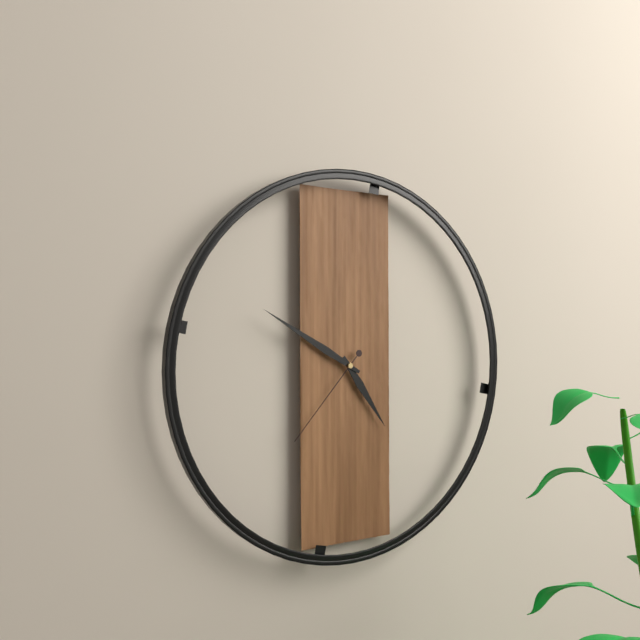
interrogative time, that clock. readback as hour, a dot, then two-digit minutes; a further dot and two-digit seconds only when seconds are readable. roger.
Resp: 4.50.37
